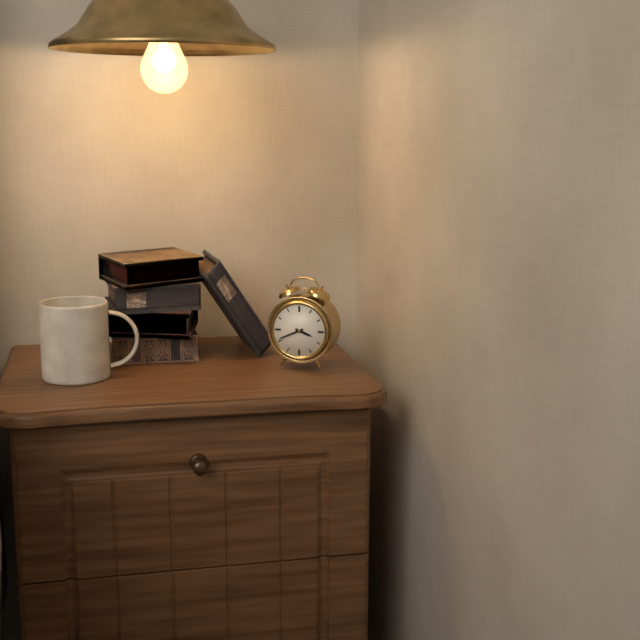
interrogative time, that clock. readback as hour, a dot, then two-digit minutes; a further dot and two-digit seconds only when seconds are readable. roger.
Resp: 3.41
